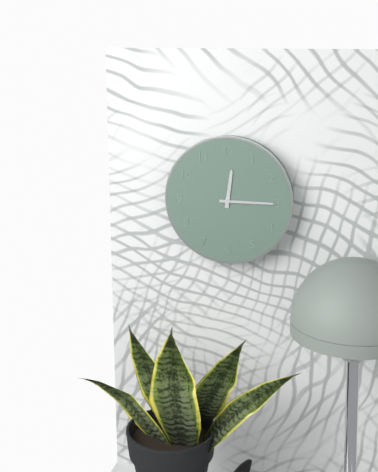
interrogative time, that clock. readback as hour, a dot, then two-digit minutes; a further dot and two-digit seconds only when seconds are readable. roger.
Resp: 12.15
